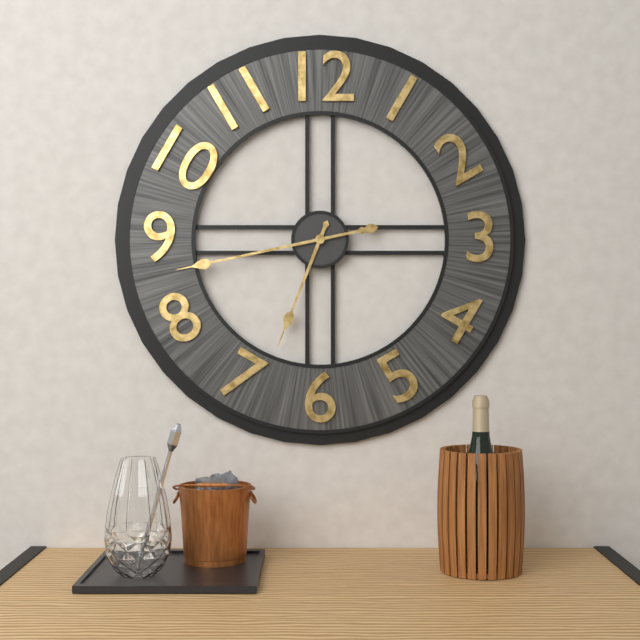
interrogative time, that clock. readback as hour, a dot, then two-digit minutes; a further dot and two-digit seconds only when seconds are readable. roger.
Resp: 6.43
